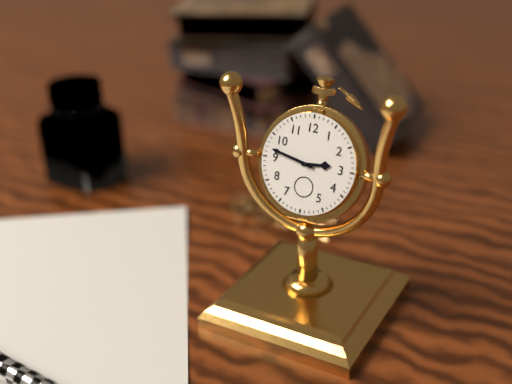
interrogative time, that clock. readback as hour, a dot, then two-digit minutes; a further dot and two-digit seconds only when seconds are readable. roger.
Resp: 2.47
